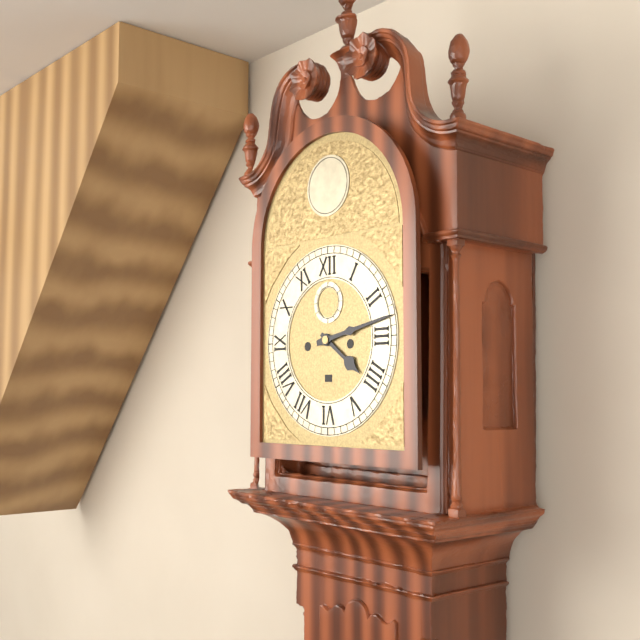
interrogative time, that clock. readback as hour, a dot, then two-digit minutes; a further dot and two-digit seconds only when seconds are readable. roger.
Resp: 4.13
